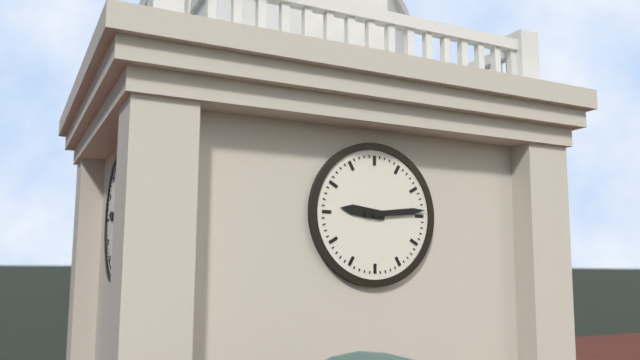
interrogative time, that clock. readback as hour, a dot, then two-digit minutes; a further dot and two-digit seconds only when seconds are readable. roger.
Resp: 9.14
